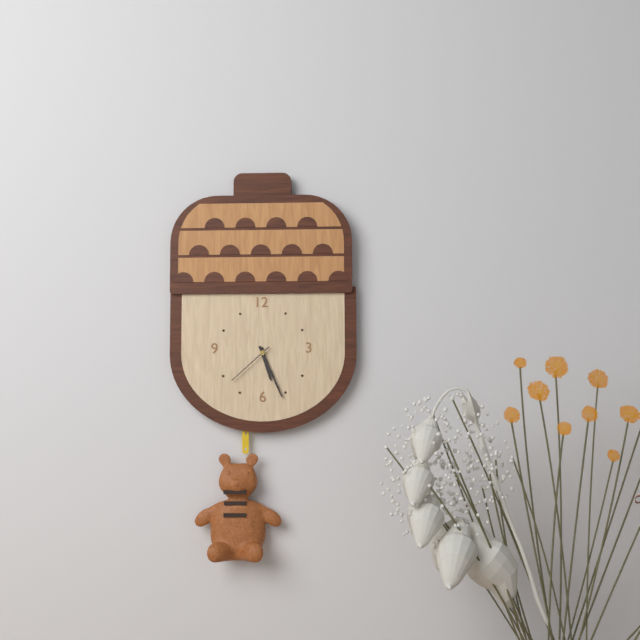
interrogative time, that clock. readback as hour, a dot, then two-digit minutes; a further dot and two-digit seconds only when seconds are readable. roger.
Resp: 5.26.38
